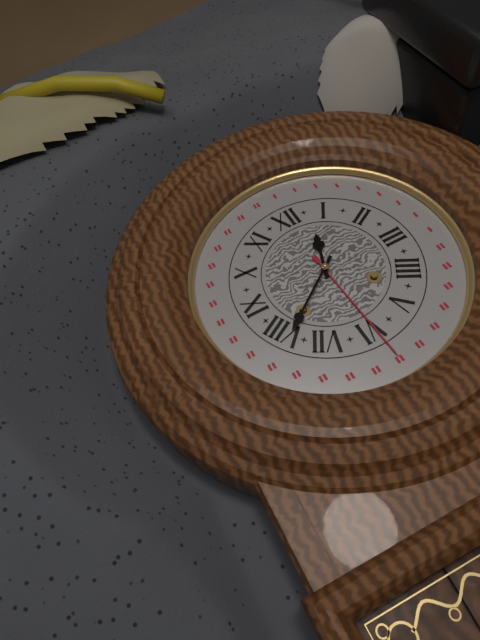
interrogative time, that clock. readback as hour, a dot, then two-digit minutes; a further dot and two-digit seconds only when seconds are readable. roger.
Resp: 12.39
